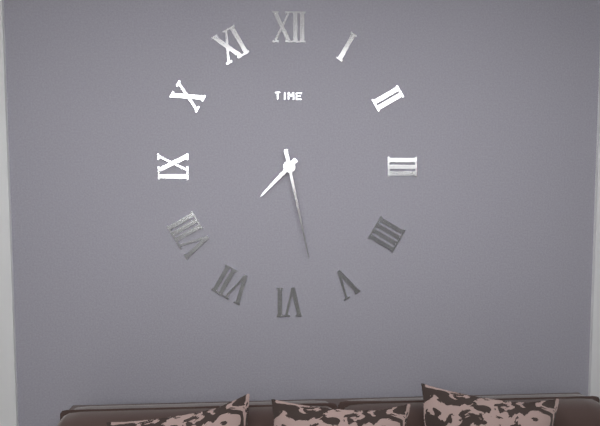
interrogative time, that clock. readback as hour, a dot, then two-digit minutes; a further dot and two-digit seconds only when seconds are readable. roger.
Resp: 7.28
